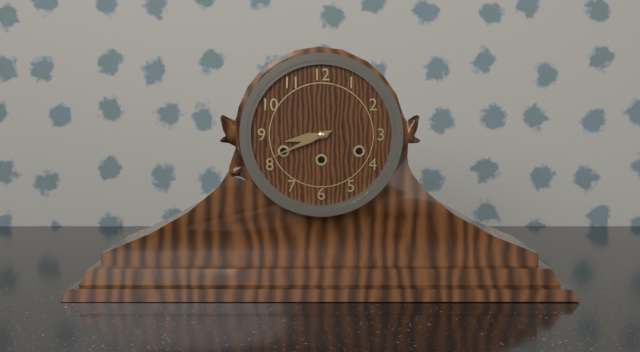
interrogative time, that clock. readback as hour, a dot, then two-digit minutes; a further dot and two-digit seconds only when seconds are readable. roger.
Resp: 8.41
